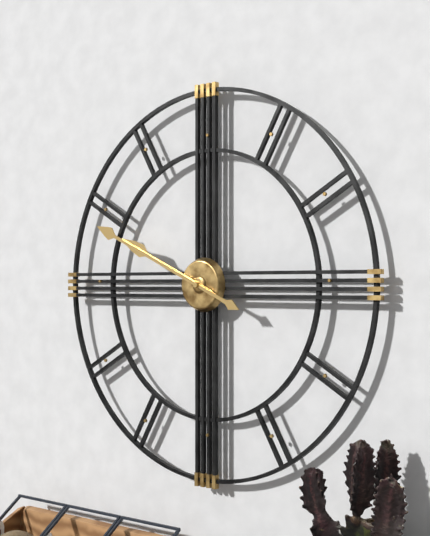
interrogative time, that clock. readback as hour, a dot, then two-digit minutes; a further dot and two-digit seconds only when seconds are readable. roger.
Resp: 9.49
